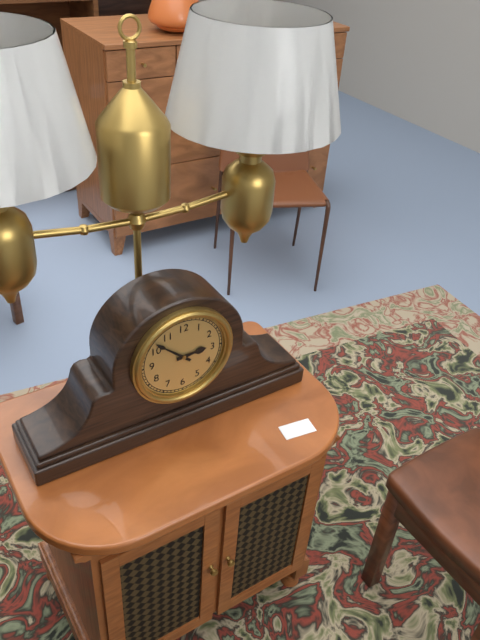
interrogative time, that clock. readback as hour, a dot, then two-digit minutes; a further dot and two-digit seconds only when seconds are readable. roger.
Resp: 2.52
